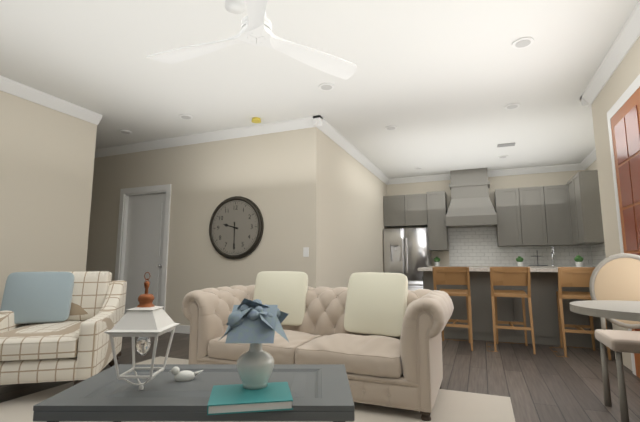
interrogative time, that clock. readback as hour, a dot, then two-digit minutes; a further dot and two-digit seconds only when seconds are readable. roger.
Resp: 9.30
